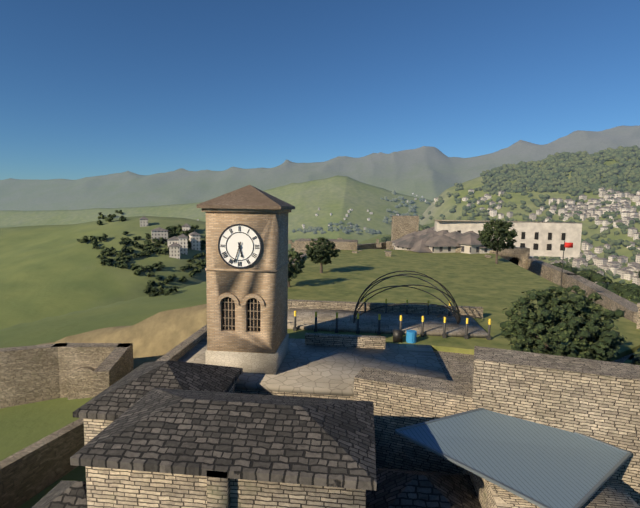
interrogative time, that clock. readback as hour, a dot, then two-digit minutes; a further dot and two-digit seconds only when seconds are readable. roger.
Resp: 5.33
